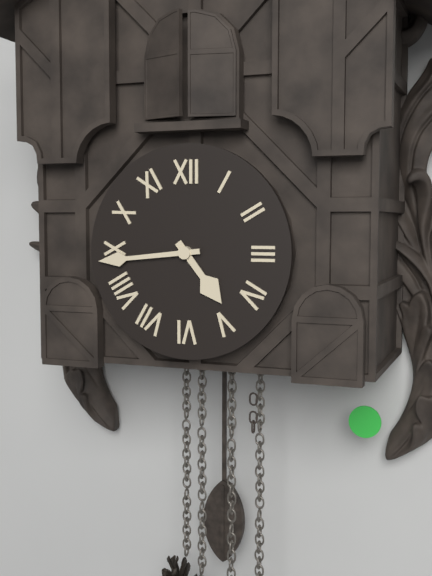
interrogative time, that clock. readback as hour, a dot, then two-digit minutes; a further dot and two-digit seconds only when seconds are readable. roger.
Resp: 4.44
